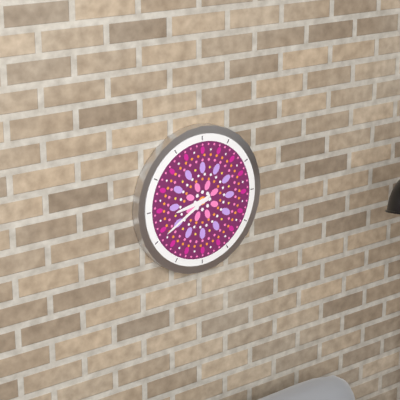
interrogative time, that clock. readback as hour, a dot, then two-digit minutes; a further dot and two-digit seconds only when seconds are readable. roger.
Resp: 8.40
